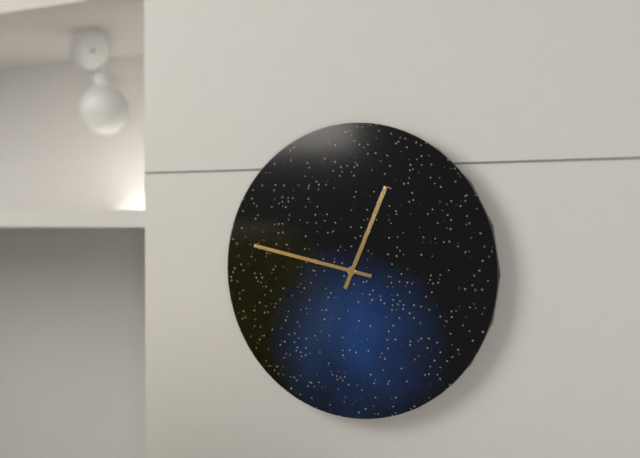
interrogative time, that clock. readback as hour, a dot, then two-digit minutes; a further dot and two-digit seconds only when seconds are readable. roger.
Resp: 12.47
